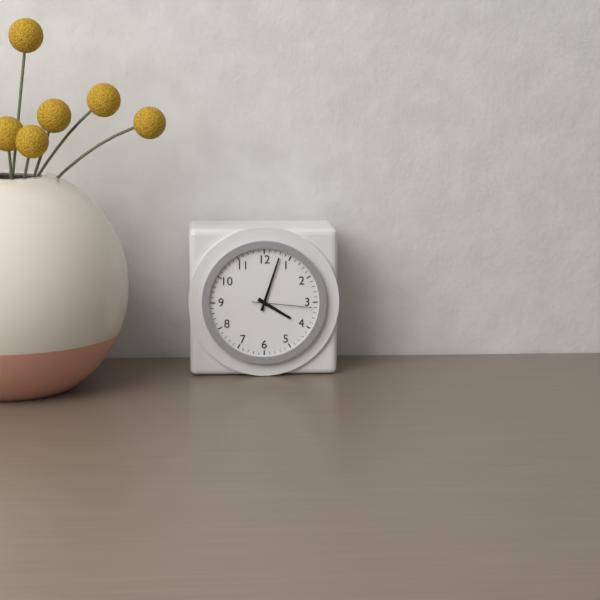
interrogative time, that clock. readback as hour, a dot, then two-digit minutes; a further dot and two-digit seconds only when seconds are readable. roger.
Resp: 4.03.16
